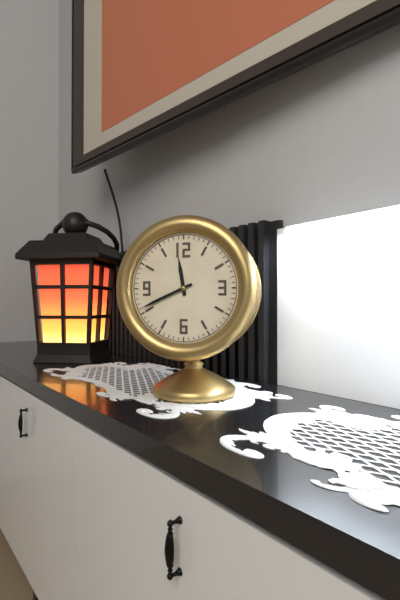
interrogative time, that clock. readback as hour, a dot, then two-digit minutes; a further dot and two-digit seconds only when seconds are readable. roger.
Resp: 11.41
